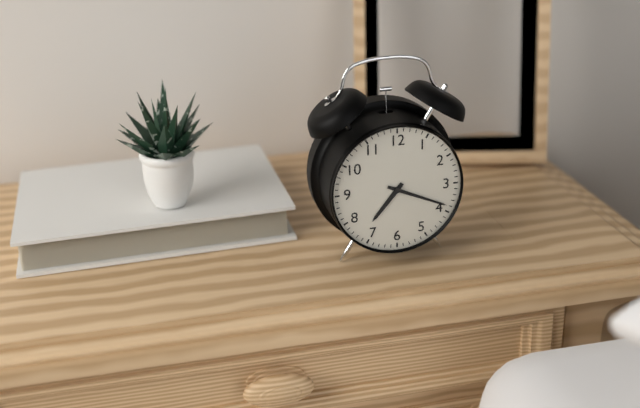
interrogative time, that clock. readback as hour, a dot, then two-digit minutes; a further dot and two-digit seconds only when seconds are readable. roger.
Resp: 7.19
